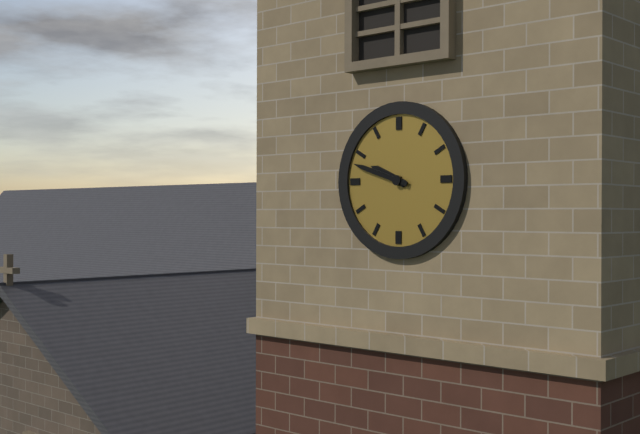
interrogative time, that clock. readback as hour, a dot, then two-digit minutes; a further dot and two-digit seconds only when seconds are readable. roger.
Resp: 9.48
